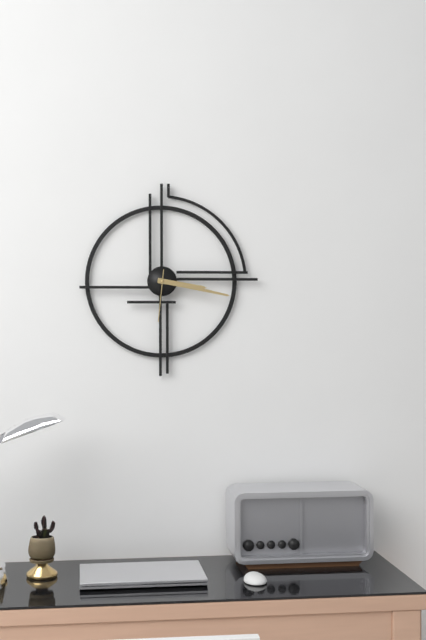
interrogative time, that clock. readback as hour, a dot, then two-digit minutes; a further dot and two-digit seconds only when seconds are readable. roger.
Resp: 3.17.31
